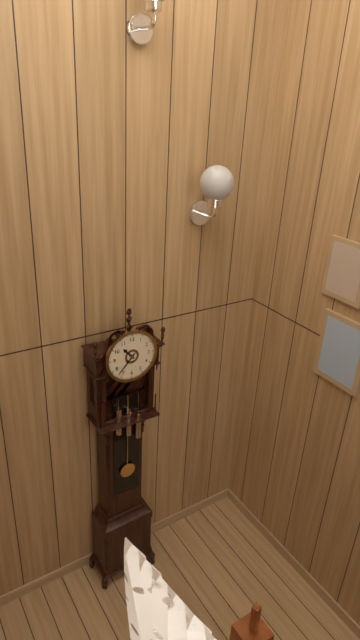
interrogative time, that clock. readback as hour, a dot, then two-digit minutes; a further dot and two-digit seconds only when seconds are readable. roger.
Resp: 10.37
